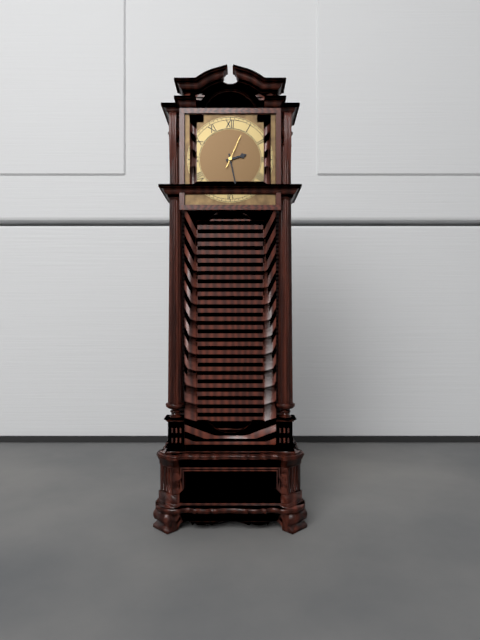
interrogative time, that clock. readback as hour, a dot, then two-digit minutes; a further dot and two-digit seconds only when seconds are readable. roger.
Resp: 2.28
